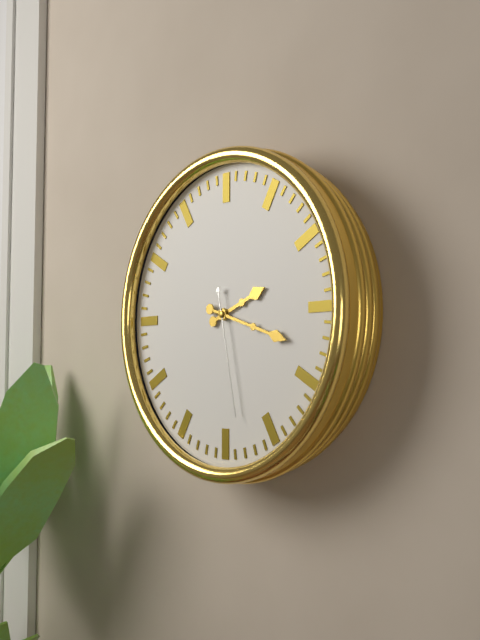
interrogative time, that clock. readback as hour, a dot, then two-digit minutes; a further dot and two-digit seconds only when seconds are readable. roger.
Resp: 2.18.28
